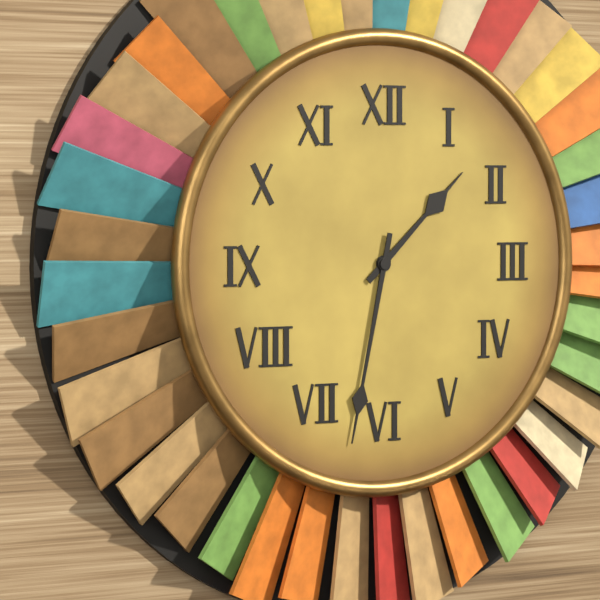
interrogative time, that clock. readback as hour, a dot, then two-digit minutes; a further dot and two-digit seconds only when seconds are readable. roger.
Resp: 1.32
